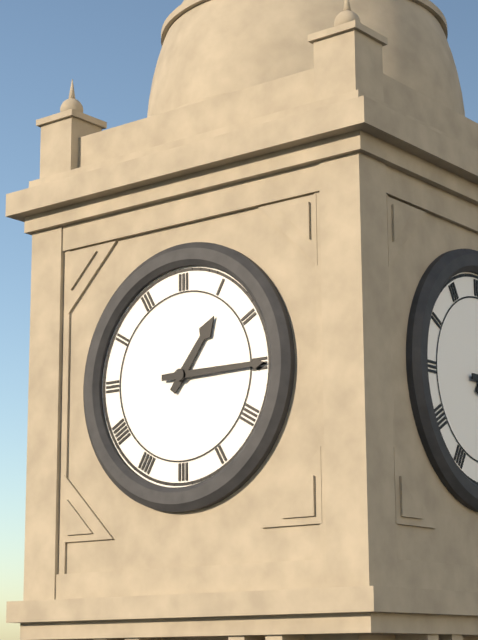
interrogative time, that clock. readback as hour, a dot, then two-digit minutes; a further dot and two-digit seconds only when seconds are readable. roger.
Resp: 1.15
